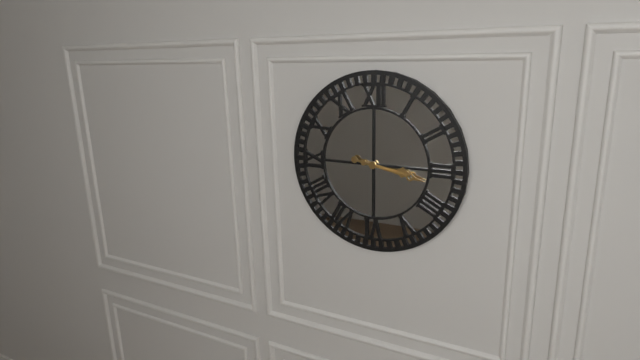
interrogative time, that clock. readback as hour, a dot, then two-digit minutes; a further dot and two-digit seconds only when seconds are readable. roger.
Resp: 3.17
